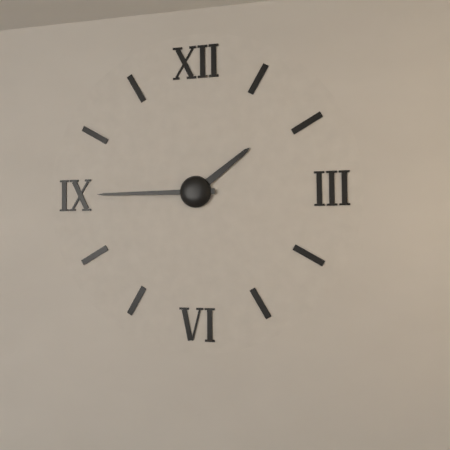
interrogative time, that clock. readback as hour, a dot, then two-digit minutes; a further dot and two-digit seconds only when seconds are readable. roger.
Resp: 1.45
